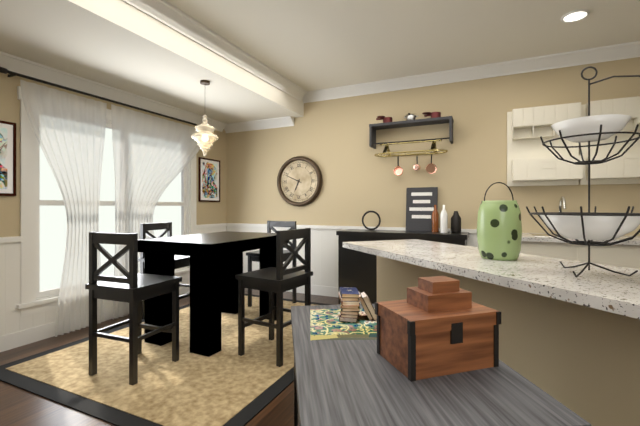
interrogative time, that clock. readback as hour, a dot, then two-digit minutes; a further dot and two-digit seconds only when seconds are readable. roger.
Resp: 6.49
